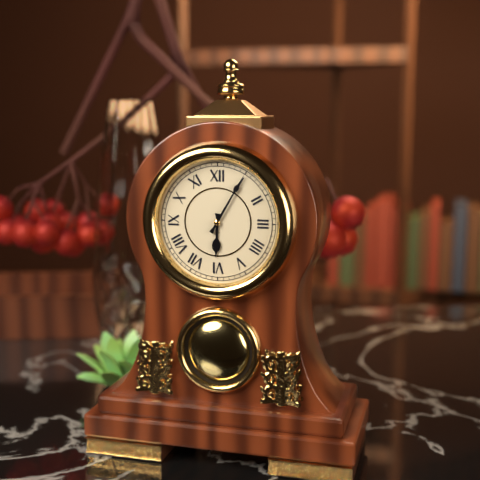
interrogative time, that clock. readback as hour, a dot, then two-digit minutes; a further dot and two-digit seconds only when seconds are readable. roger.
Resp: 6.05
